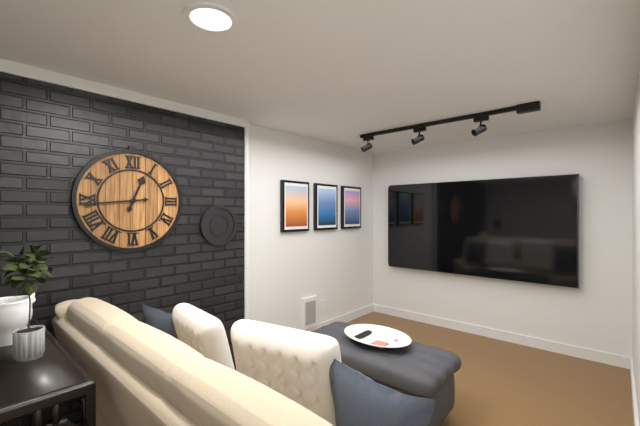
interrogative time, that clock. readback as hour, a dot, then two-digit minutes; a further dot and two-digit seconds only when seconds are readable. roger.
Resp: 12.44
